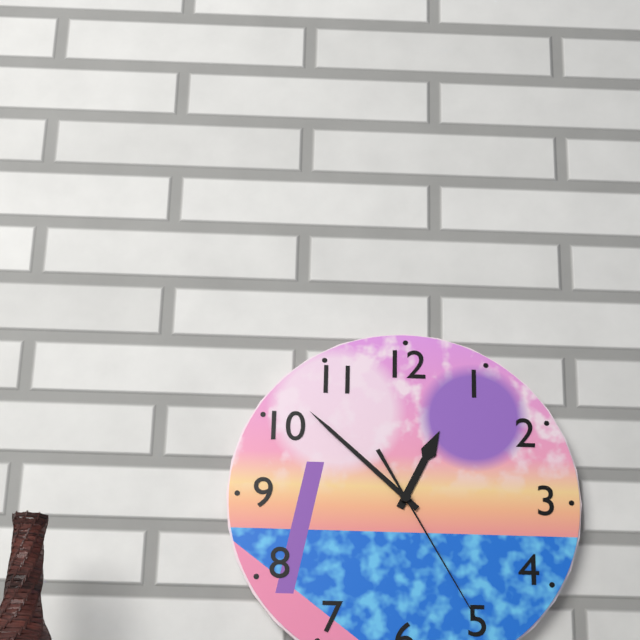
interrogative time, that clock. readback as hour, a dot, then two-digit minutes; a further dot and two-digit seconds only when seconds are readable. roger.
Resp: 12.52.25
